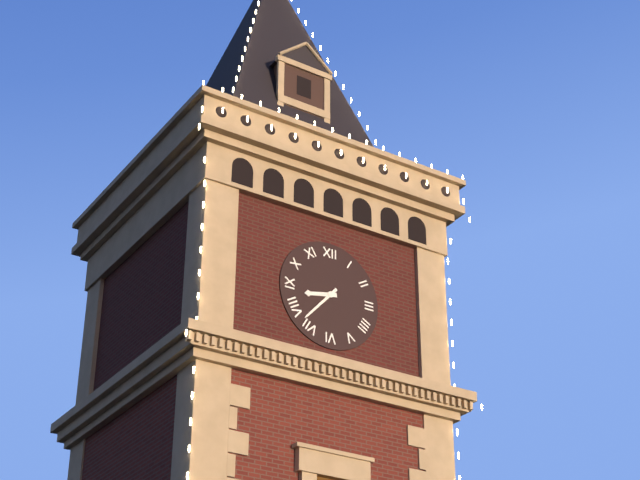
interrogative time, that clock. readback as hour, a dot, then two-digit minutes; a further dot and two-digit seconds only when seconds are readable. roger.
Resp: 8.37
